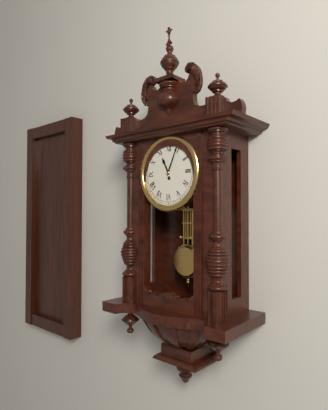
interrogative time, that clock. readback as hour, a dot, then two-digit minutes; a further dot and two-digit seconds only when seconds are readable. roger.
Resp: 11.04
